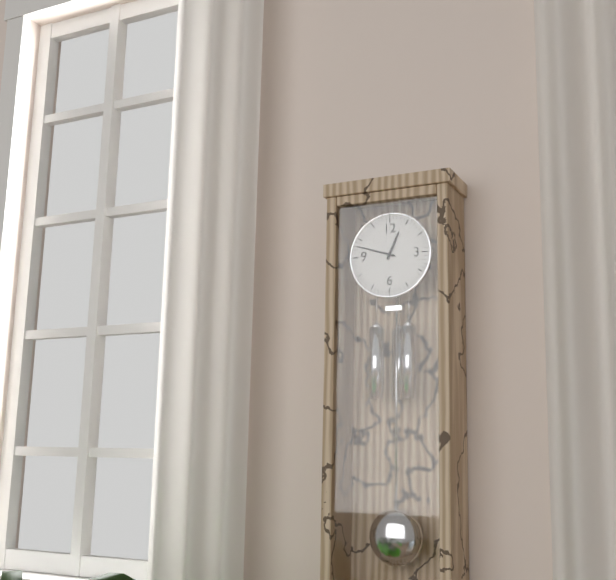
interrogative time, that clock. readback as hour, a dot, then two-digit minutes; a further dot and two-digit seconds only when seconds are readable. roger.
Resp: 12.48
